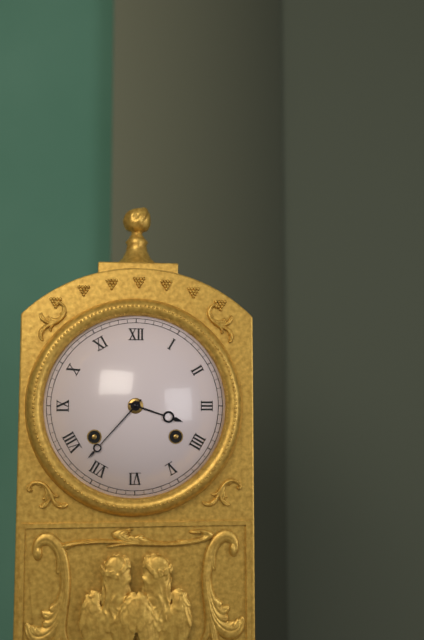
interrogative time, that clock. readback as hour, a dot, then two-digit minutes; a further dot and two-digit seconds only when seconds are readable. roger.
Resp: 3.37
